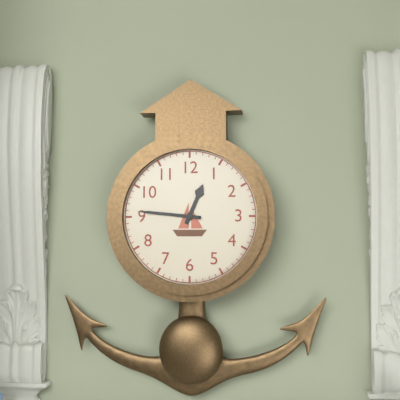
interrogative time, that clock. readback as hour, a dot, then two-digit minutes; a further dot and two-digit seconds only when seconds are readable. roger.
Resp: 12.46
